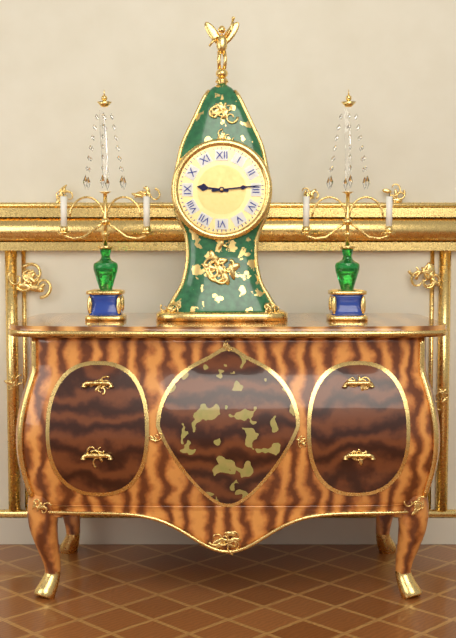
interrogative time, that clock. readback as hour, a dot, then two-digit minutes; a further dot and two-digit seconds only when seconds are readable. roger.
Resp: 9.14
